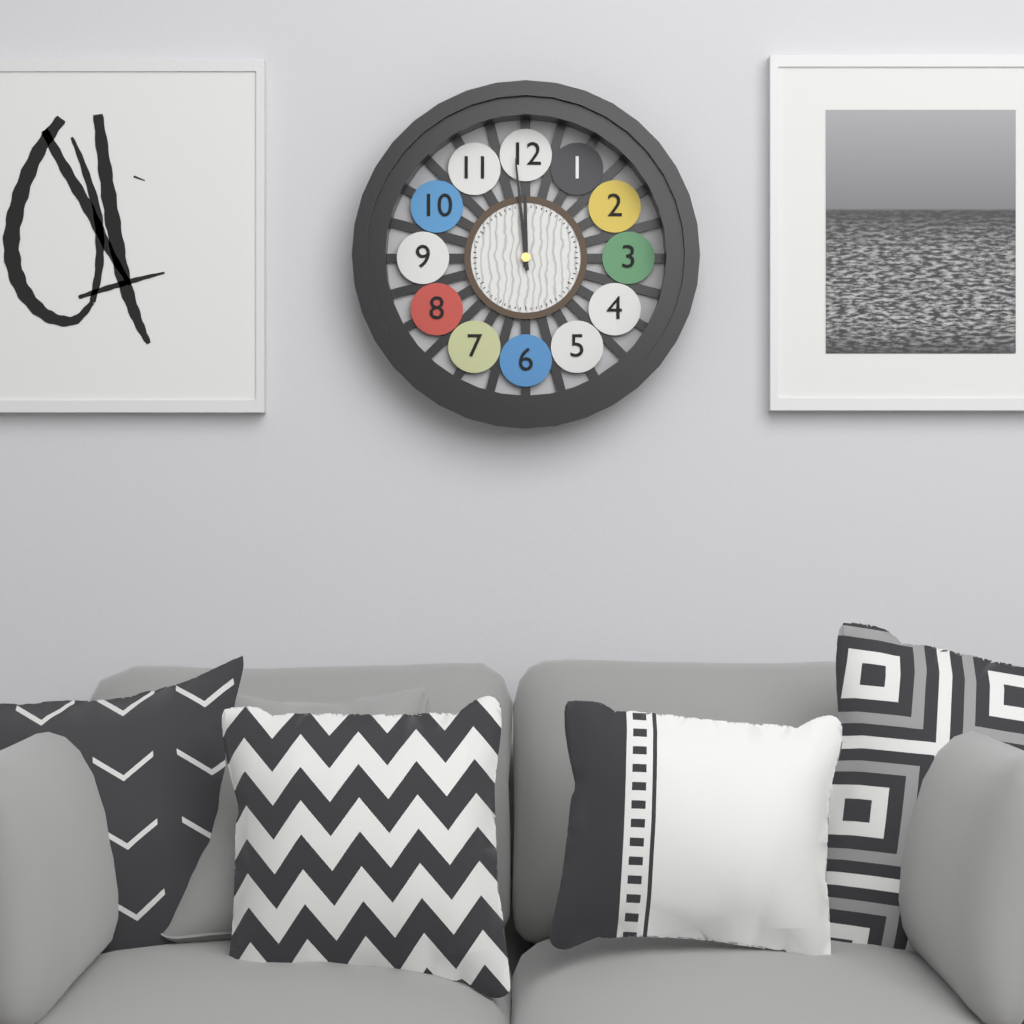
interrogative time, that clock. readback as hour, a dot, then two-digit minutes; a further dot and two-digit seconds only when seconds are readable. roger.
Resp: 11.59
